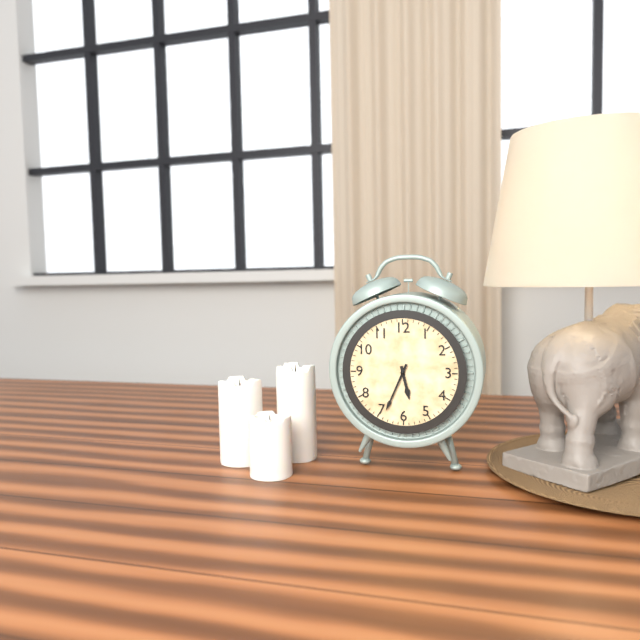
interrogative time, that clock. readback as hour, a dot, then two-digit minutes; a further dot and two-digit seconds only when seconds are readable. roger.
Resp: 5.34
